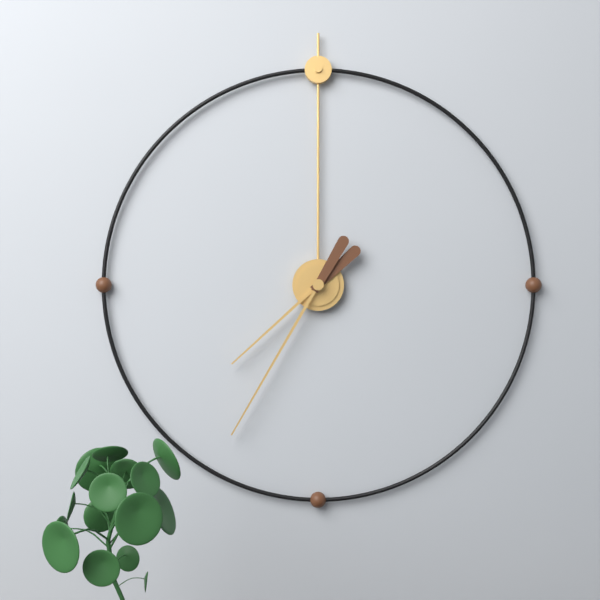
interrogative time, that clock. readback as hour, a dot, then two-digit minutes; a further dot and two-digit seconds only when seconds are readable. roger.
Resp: 7.35
